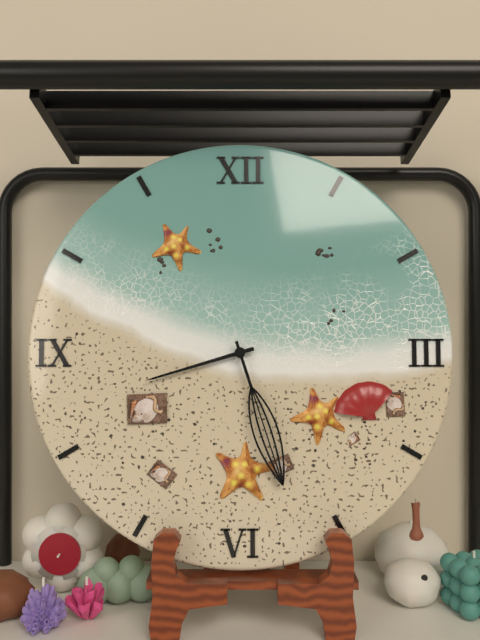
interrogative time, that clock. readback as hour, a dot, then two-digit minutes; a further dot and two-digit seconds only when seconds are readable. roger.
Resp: 8.27
